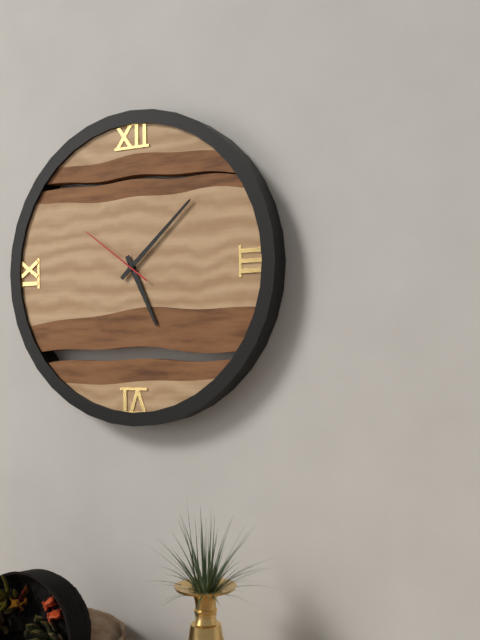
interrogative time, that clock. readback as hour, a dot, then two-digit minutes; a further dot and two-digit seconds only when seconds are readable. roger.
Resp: 5.08.51
